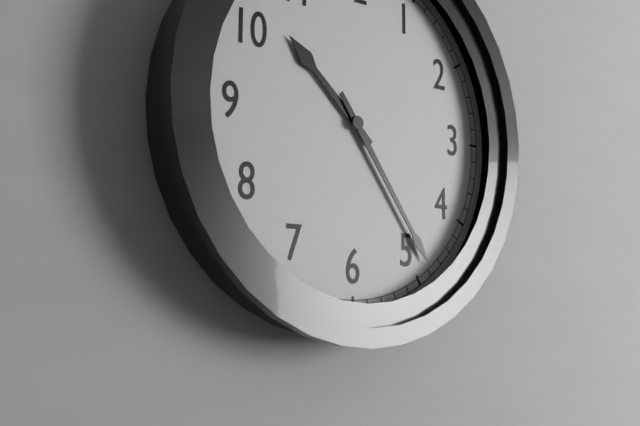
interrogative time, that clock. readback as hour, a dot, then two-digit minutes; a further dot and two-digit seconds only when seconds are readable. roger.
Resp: 10.24
